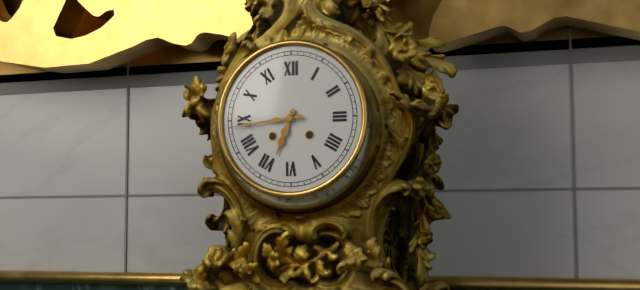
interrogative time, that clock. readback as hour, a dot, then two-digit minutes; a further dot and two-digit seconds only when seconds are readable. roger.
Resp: 6.44
